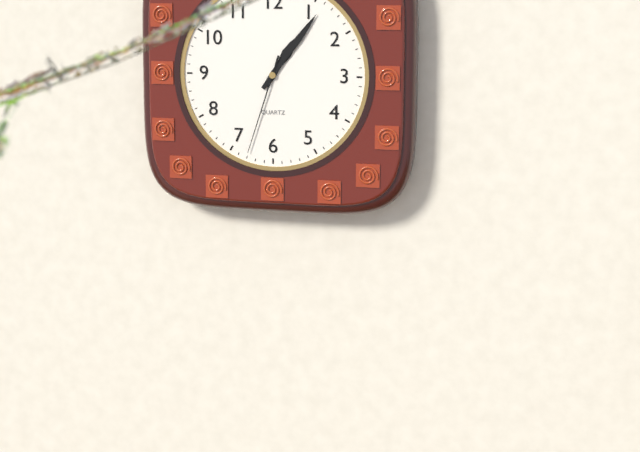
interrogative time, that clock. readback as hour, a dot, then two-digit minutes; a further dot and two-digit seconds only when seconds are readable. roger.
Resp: 1.06.33
